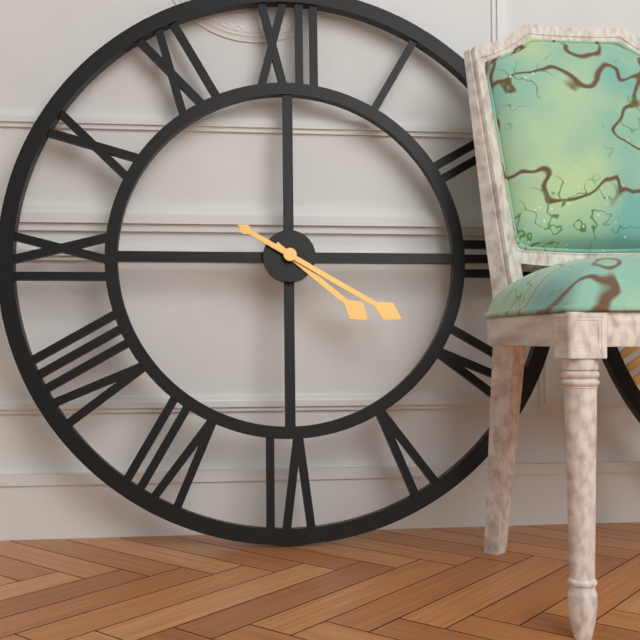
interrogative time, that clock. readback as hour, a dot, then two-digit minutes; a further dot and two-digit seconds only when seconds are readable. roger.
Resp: 4.20
